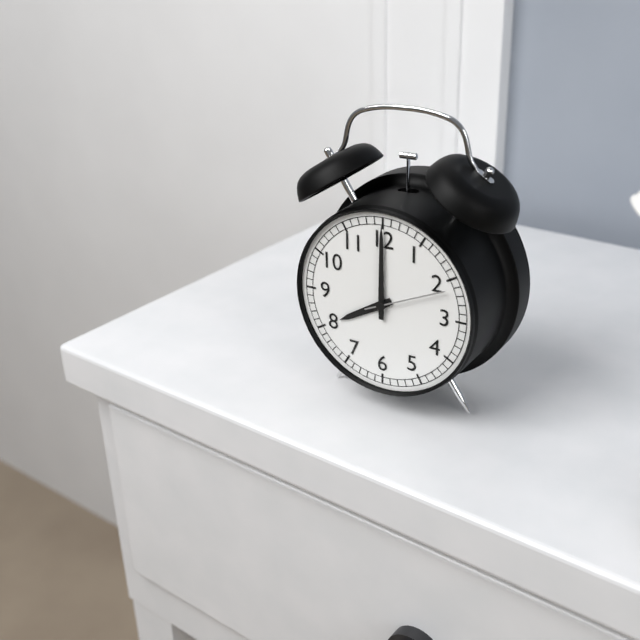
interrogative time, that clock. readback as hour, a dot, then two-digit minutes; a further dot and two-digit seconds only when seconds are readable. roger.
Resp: 8.00.11
